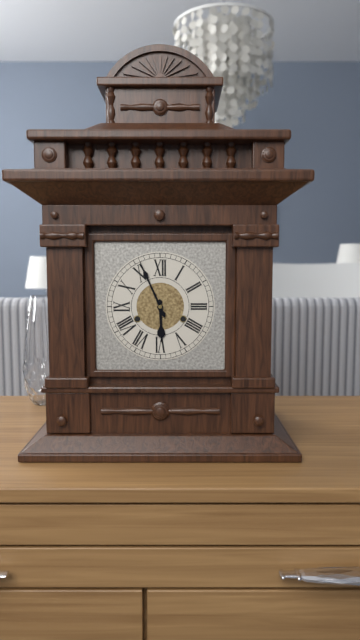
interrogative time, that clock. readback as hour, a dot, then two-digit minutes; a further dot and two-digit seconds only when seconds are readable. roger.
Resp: 5.56
